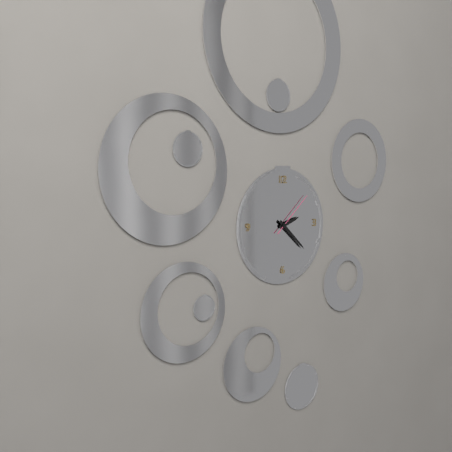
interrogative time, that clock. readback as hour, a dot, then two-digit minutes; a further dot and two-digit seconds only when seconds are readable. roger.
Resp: 2.22
